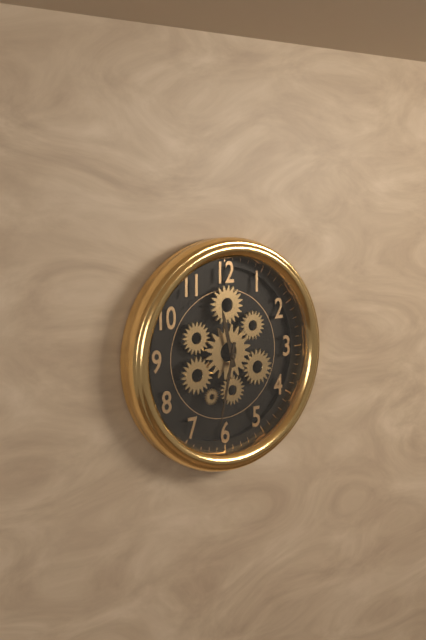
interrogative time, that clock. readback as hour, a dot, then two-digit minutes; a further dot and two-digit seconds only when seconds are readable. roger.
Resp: 11.32
